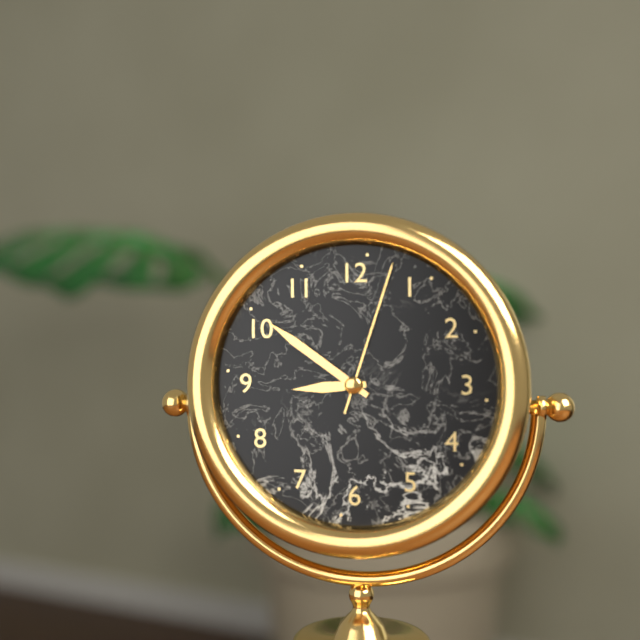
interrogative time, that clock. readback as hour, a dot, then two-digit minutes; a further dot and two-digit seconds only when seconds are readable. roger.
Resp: 8.51.03
